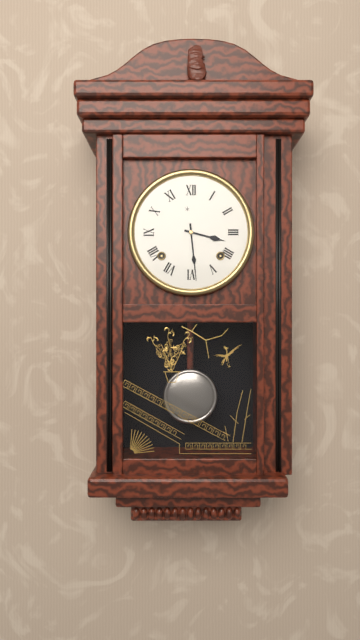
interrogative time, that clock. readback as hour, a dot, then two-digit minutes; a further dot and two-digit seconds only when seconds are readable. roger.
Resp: 3.29
